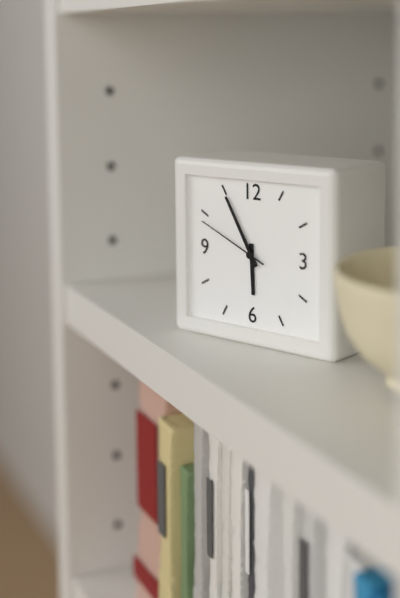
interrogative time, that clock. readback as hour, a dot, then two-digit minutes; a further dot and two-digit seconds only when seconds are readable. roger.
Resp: 5.55.49
